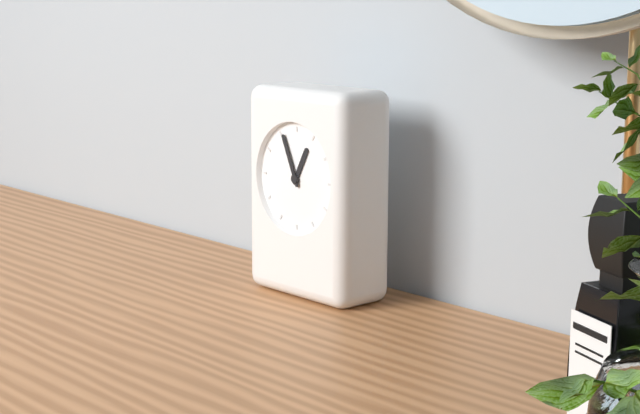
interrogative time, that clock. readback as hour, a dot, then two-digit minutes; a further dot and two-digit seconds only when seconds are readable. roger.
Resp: 12.56
